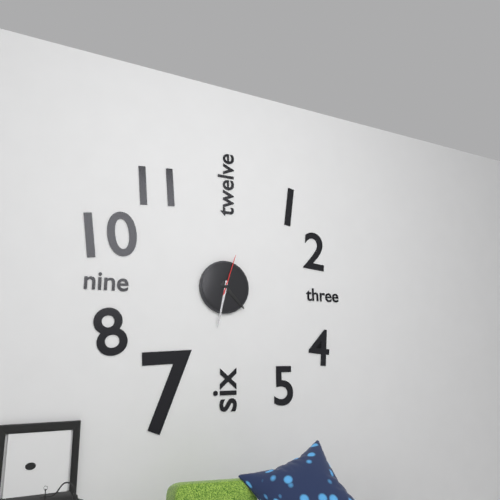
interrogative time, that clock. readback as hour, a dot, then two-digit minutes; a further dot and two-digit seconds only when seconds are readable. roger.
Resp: 4.32
